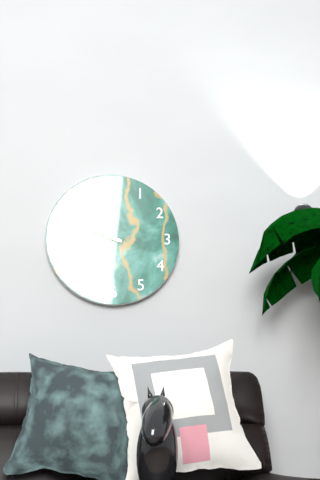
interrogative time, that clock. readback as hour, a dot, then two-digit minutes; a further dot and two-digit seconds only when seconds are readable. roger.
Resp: 9.48
